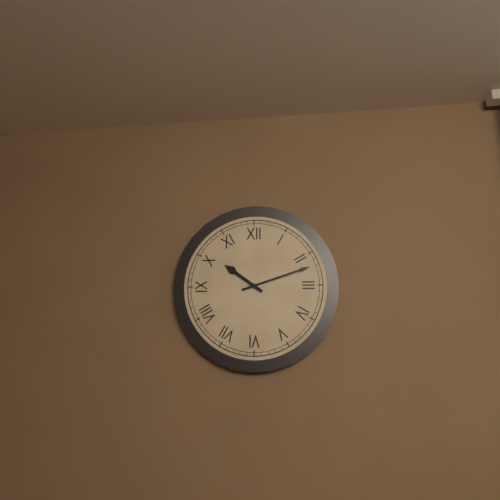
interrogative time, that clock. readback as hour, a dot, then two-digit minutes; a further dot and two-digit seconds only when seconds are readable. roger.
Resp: 10.12
